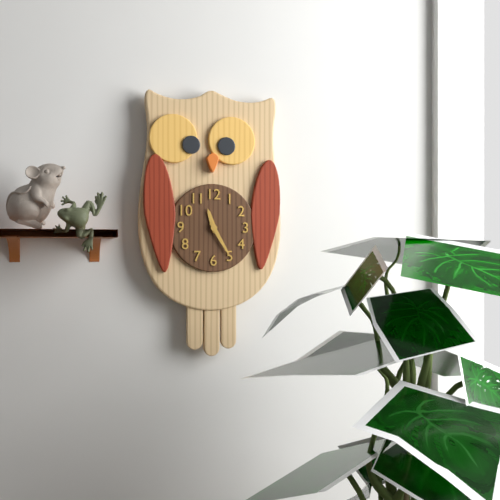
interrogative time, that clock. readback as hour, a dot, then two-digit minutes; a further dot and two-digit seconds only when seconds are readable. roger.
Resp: 11.25
